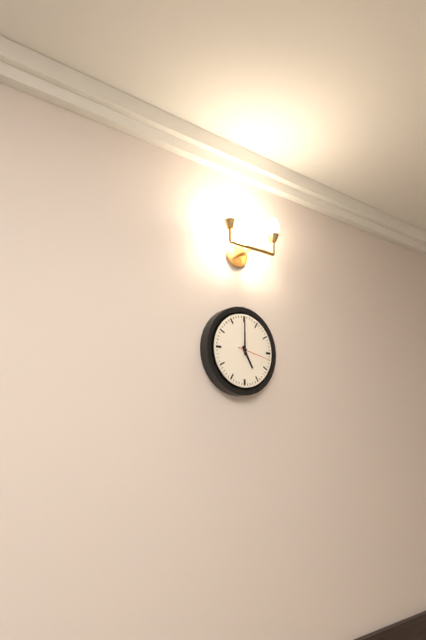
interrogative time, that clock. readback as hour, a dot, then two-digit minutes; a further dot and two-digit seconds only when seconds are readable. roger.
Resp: 5.00
